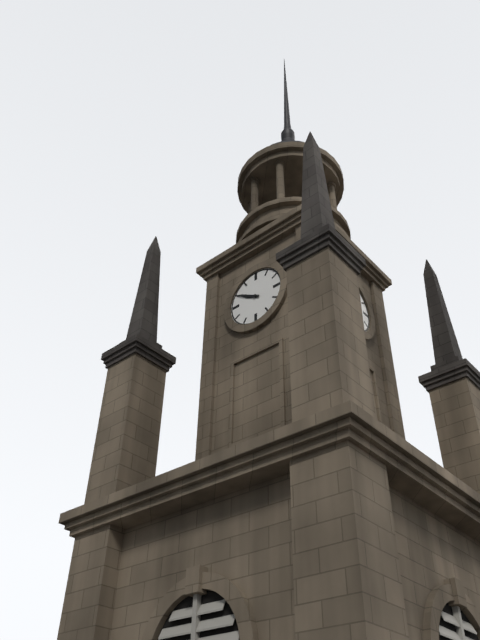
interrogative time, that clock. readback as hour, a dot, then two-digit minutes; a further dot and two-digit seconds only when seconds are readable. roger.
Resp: 9.50
